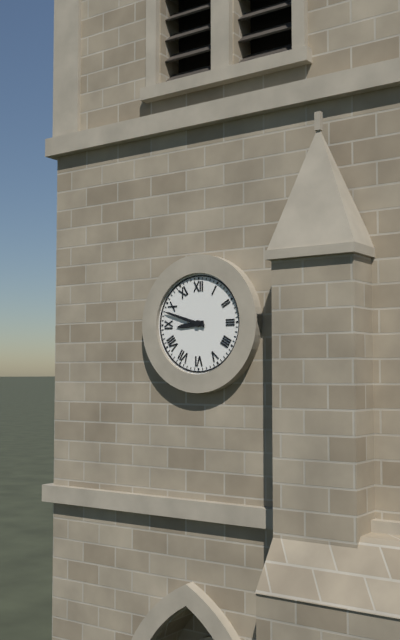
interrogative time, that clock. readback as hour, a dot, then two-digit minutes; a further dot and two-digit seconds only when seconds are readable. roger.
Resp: 8.48
